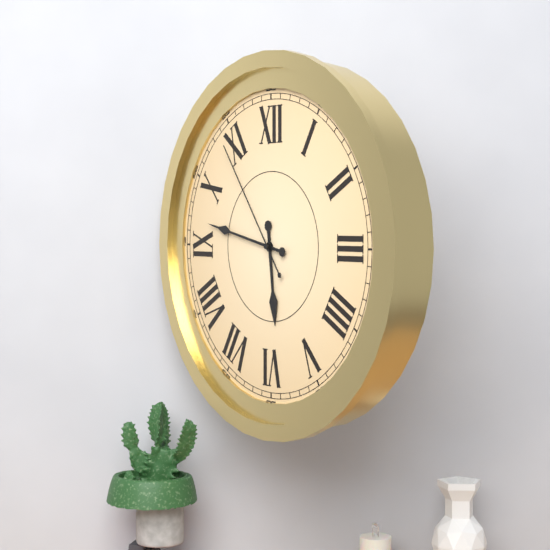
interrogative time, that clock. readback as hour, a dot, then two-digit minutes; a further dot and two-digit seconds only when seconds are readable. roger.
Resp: 5.47.54
